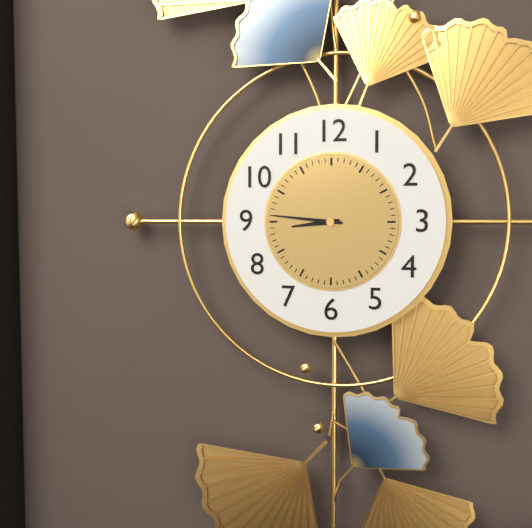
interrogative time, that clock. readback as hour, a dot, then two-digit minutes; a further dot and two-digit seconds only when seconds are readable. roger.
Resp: 8.46
